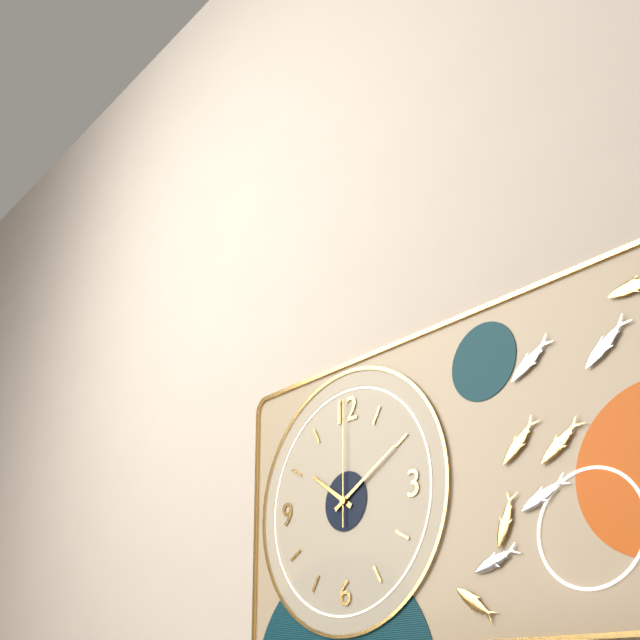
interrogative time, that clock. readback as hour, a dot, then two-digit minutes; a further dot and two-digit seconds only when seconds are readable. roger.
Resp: 10.10.00
